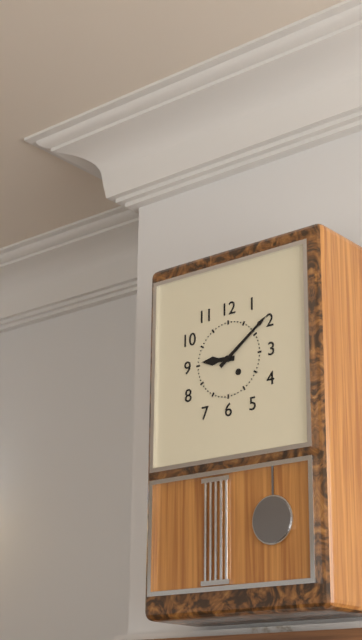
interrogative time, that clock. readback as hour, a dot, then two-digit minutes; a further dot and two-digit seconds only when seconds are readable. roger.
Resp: 9.09
